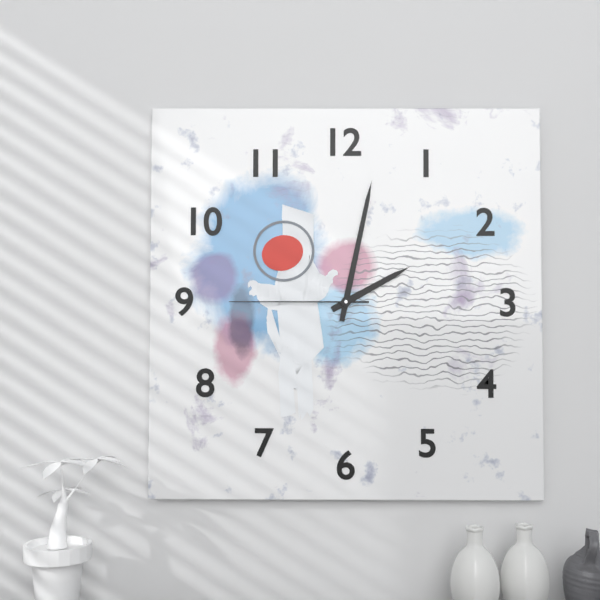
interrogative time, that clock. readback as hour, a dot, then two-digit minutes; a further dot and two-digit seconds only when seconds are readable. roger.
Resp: 2.02.45
